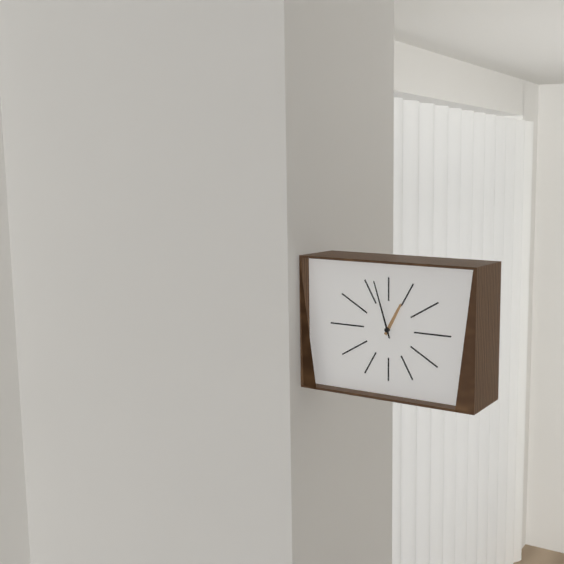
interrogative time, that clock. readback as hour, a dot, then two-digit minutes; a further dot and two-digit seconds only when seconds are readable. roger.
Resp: 12.57
